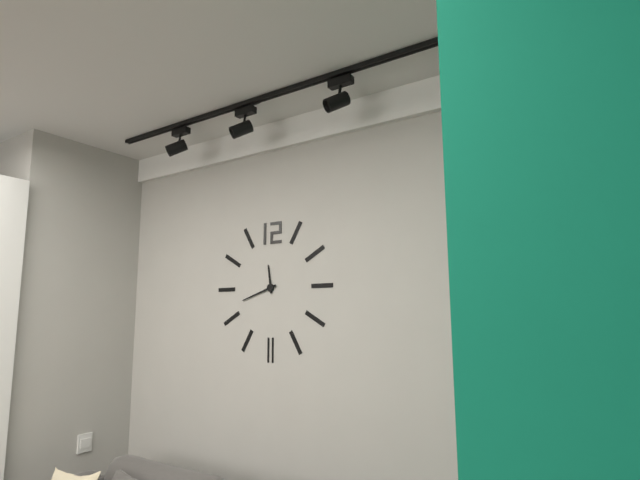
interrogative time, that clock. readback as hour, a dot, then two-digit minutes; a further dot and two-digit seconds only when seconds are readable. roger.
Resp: 11.42
